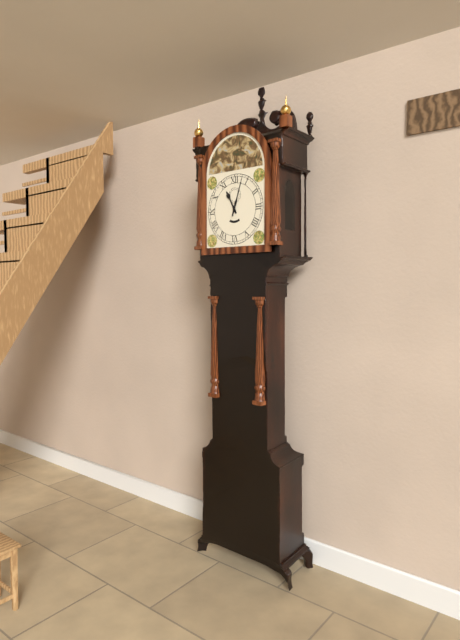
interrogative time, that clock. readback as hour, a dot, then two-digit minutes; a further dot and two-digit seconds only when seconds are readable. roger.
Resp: 11.03
